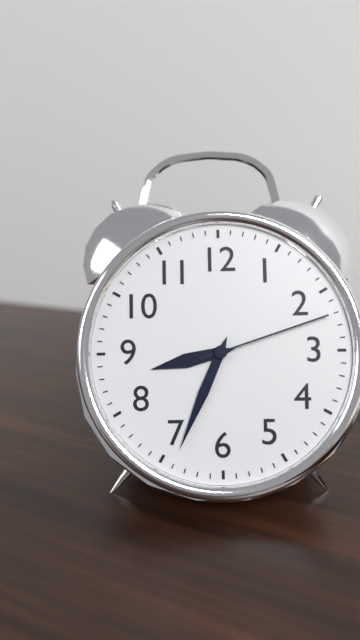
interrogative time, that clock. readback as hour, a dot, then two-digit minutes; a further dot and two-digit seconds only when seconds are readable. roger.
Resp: 8.34.12
